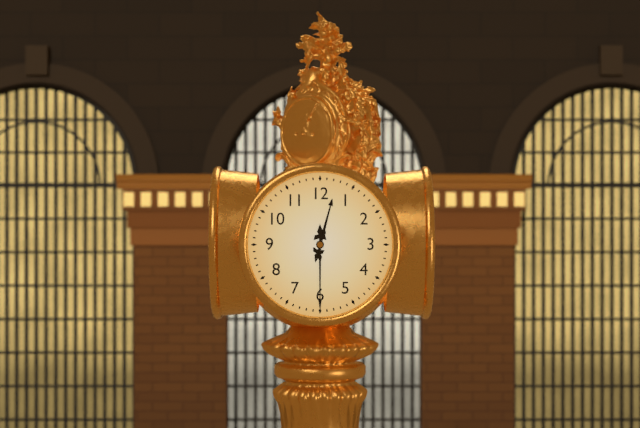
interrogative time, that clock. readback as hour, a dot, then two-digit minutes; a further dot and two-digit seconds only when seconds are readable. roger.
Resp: 12.30
